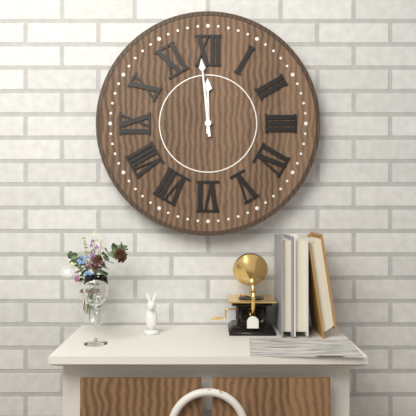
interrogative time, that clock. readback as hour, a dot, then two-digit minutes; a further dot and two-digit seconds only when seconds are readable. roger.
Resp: 11.59
